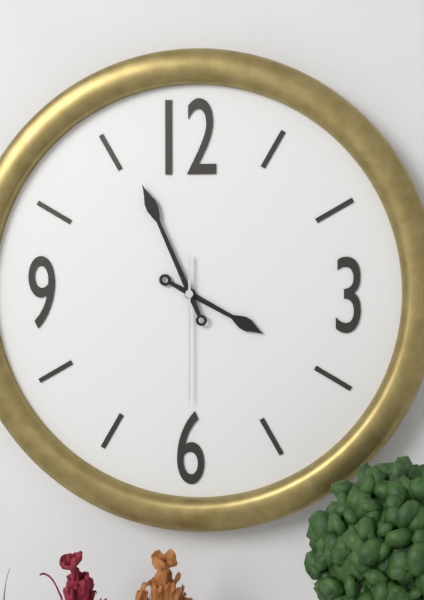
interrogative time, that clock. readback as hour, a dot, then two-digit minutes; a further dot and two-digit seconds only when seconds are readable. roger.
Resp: 3.56.30
